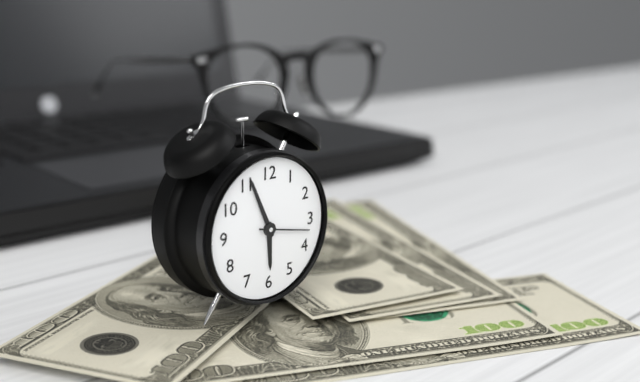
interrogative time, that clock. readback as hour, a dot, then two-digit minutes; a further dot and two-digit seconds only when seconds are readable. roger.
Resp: 5.56.17
